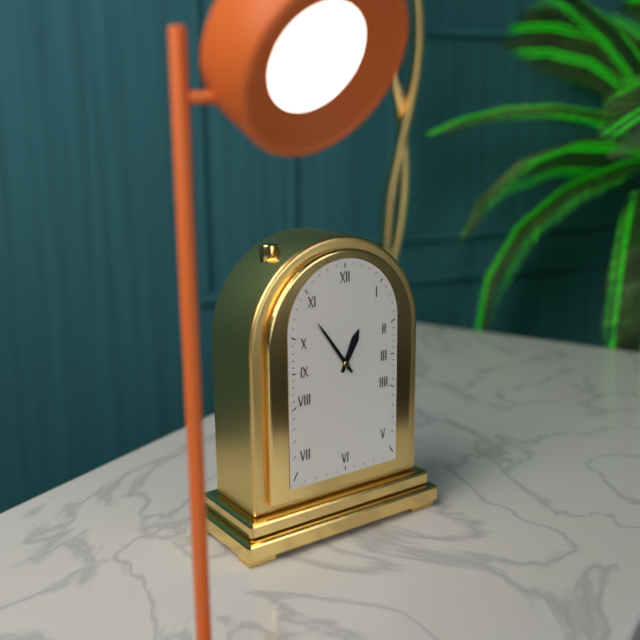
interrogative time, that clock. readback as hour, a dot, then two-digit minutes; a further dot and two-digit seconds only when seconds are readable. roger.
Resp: 12.54
